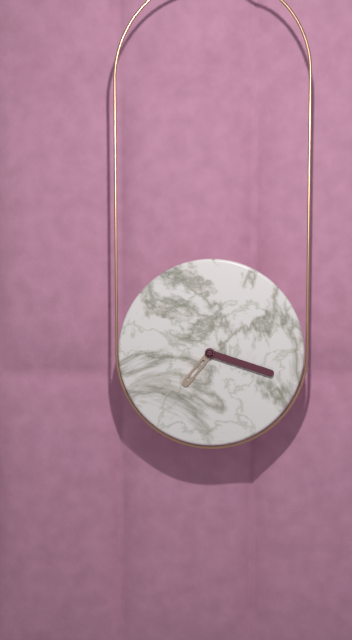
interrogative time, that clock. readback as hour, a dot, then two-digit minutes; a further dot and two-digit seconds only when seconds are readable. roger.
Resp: 7.18
